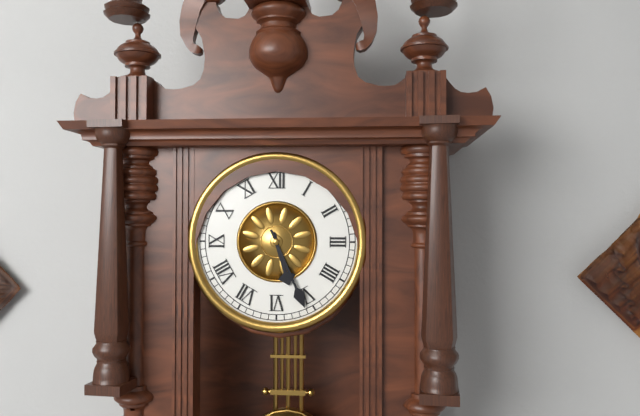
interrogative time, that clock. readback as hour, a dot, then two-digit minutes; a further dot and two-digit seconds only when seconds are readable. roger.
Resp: 5.26
